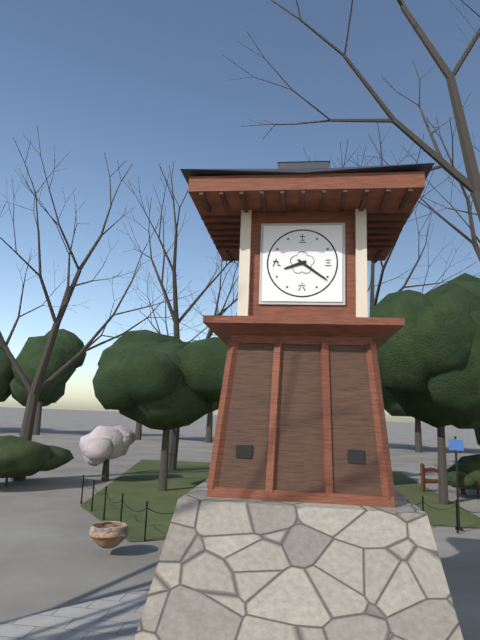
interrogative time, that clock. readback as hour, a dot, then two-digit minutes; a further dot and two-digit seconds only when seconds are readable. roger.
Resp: 8.21
